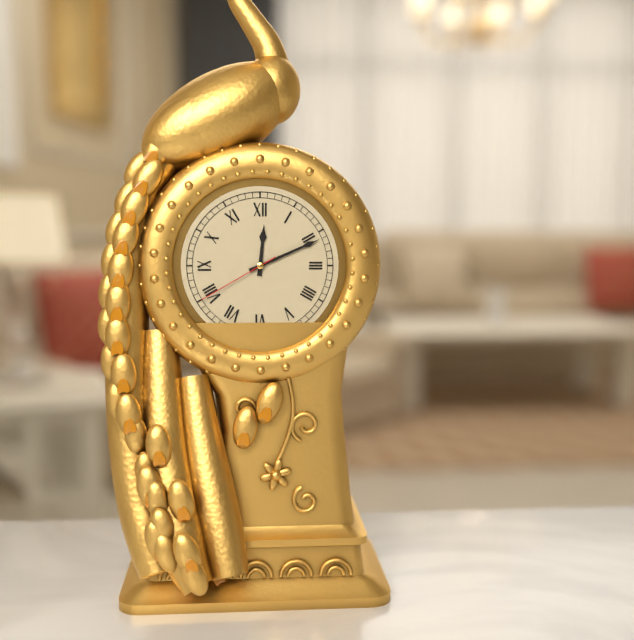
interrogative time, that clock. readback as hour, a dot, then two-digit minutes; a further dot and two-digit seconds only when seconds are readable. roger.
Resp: 12.11.40
